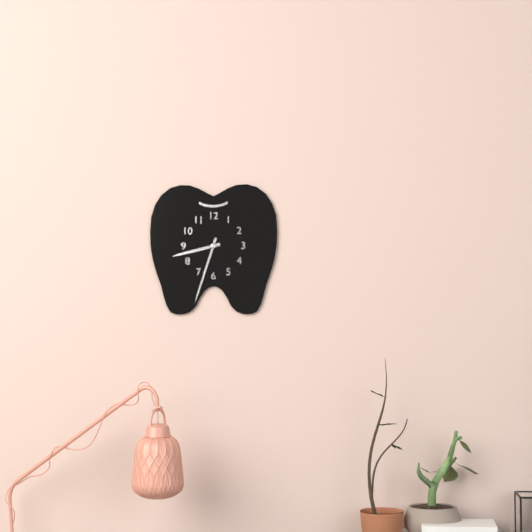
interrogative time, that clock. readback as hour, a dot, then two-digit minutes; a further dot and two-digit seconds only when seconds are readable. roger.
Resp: 8.33
